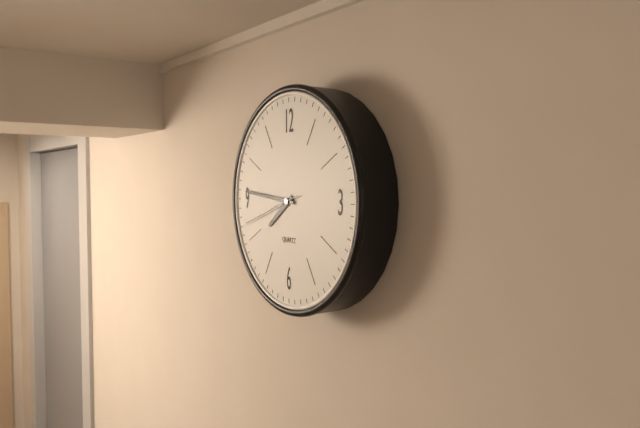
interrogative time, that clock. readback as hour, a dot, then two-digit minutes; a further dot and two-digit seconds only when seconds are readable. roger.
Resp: 7.46.42
